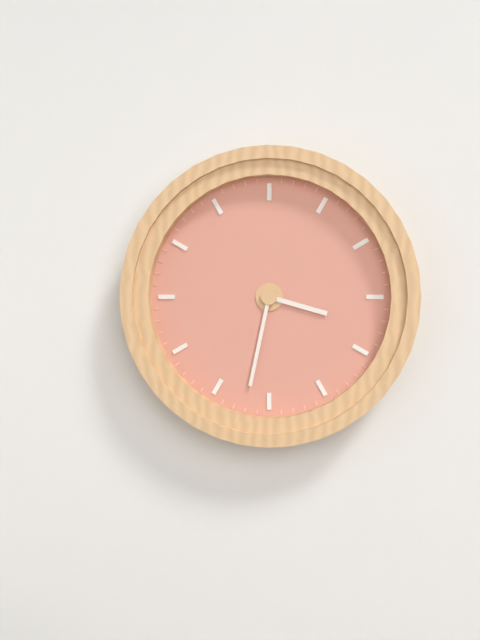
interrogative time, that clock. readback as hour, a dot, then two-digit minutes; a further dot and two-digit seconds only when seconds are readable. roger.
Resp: 3.32
